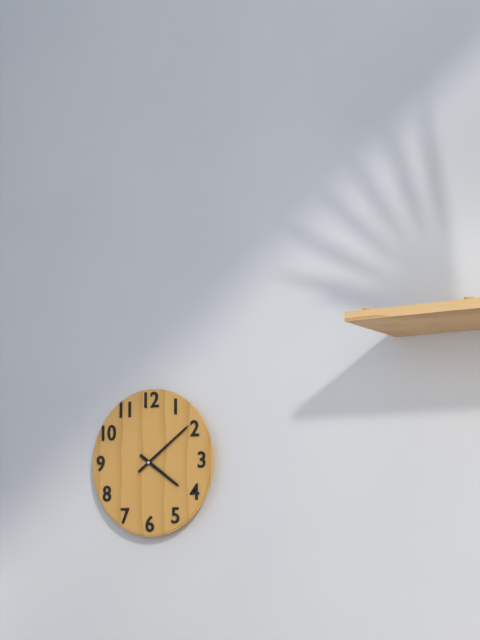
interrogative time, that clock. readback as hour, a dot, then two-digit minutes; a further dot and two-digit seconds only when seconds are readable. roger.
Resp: 4.09
